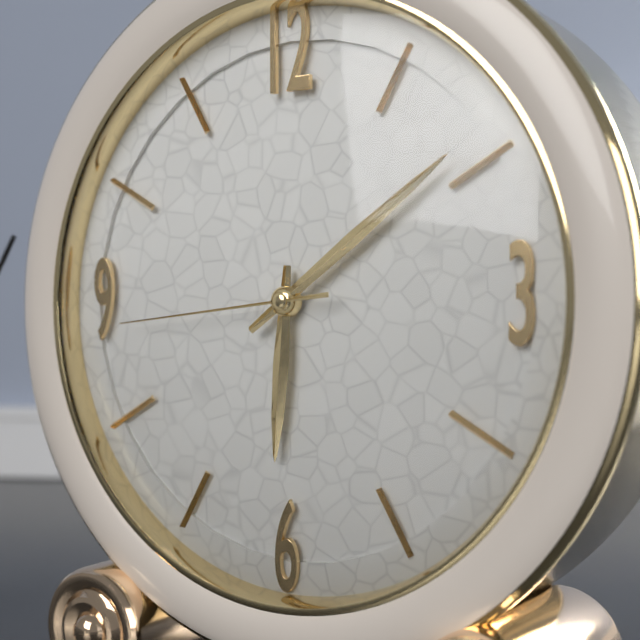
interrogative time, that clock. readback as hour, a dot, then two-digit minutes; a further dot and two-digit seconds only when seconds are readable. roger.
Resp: 6.09.44
